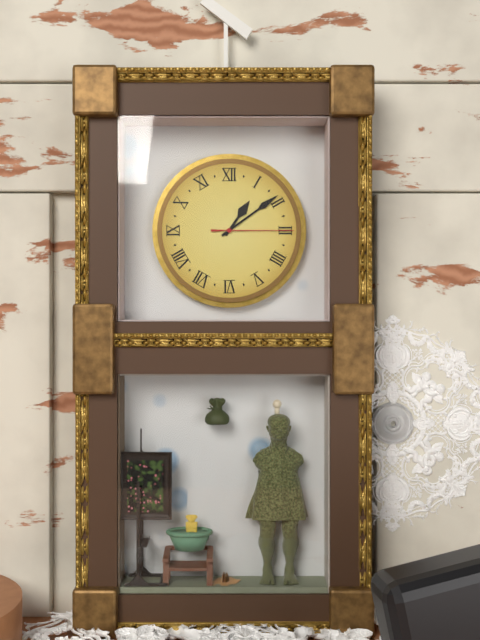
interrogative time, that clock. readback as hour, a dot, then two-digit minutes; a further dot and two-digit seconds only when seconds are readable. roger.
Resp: 1.09.15
